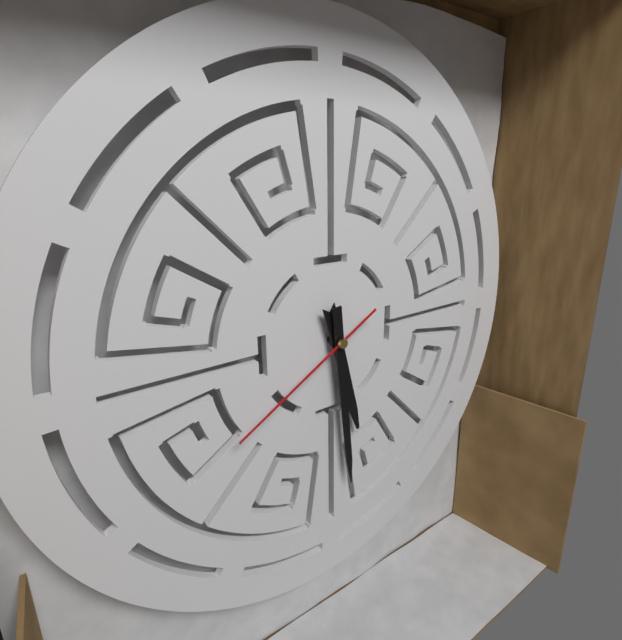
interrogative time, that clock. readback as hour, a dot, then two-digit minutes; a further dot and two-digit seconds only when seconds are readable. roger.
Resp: 5.29.40
